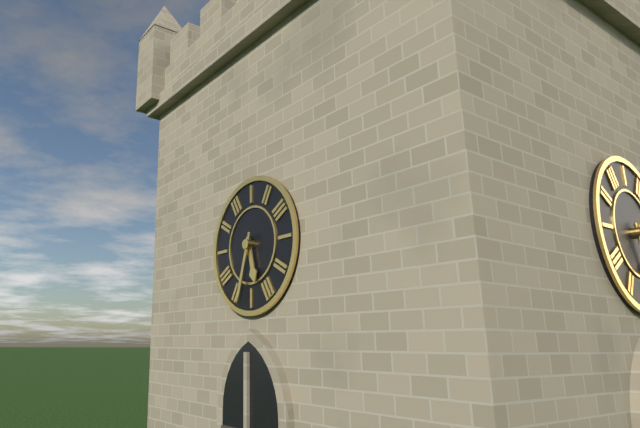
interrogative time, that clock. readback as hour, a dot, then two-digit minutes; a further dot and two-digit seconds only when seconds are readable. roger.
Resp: 5.33
